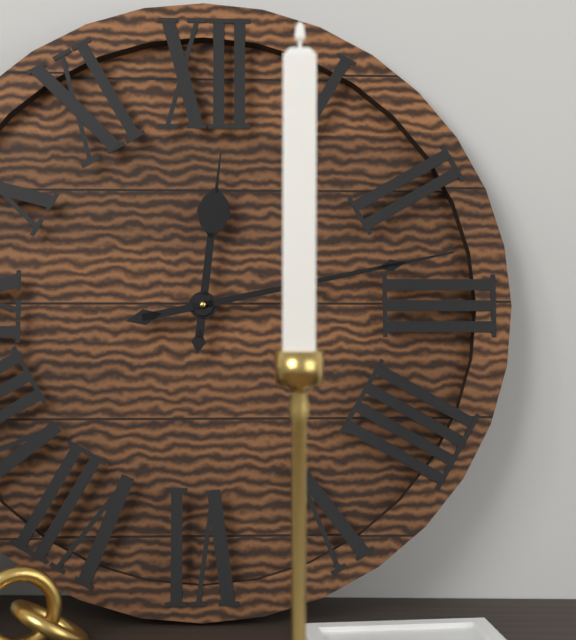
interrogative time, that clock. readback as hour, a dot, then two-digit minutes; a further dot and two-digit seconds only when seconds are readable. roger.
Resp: 12.13
